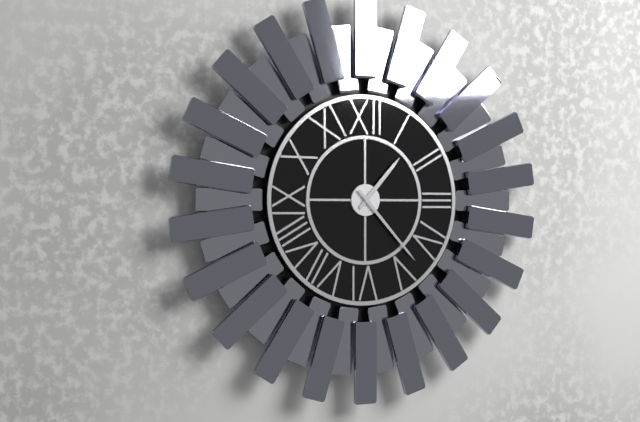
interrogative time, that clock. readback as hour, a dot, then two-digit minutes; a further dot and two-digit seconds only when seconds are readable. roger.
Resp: 1.23
